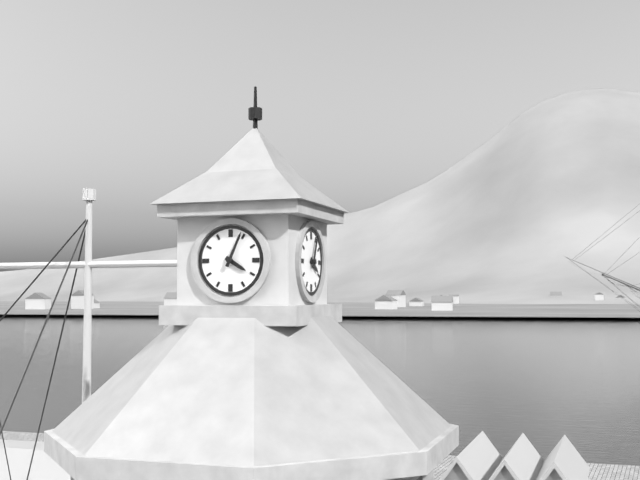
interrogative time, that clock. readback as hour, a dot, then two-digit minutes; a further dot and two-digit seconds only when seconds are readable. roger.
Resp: 4.04
